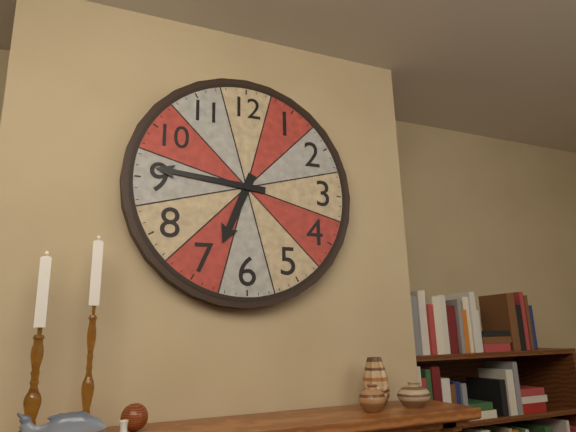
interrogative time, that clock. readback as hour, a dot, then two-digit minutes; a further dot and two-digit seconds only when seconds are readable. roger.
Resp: 6.46
